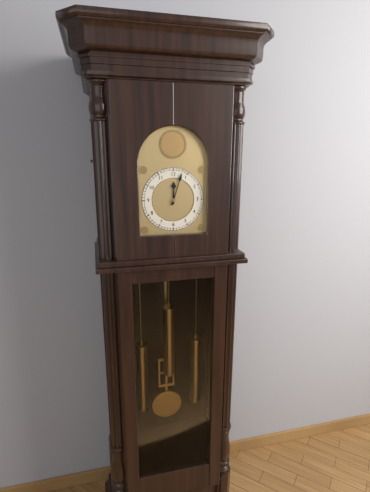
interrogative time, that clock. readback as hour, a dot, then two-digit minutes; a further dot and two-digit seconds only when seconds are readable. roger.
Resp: 12.03
